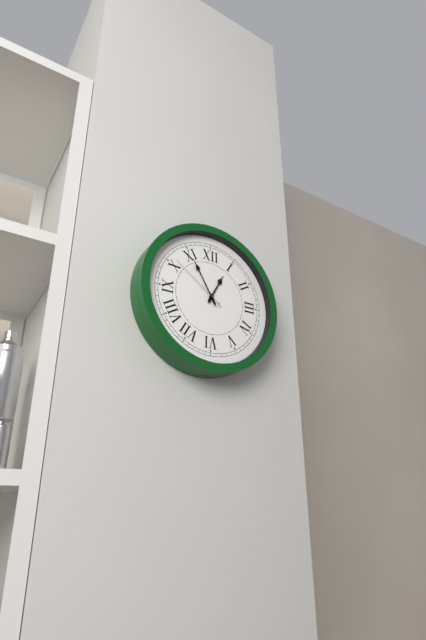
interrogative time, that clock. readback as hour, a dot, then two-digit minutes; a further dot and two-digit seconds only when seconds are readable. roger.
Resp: 12.55.51
